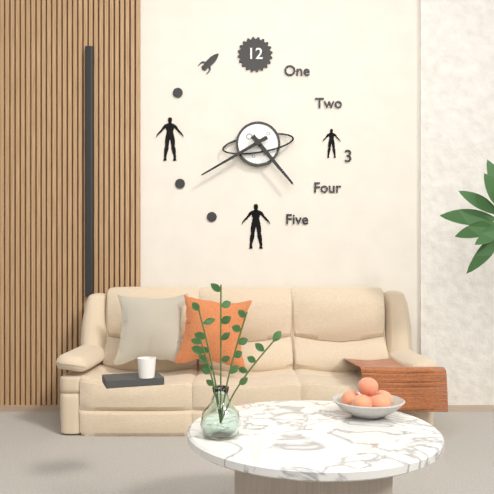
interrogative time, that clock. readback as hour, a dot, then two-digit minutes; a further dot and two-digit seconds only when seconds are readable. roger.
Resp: 4.40
